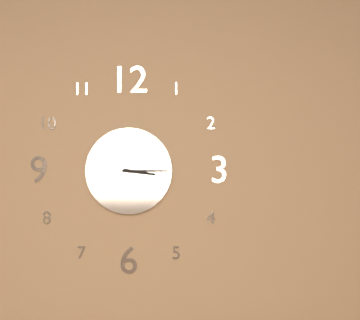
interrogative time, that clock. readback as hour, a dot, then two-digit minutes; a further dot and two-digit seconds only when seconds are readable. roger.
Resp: 3.15
